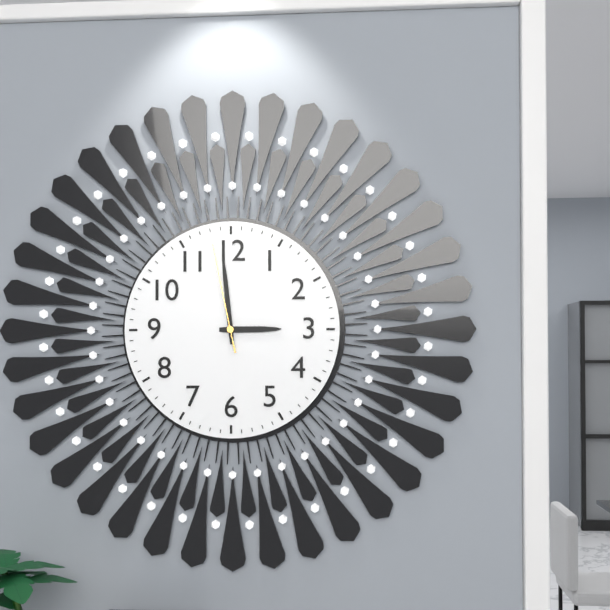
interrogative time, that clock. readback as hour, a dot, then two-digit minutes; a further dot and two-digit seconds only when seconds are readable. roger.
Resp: 2.59.58
